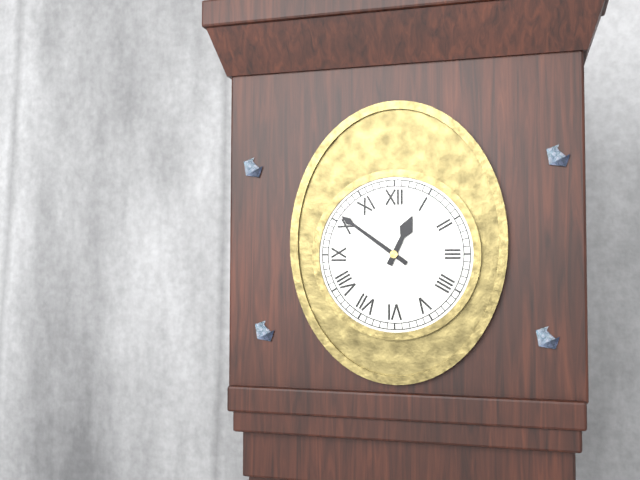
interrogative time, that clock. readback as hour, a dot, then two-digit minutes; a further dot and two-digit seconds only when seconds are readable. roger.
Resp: 12.51
